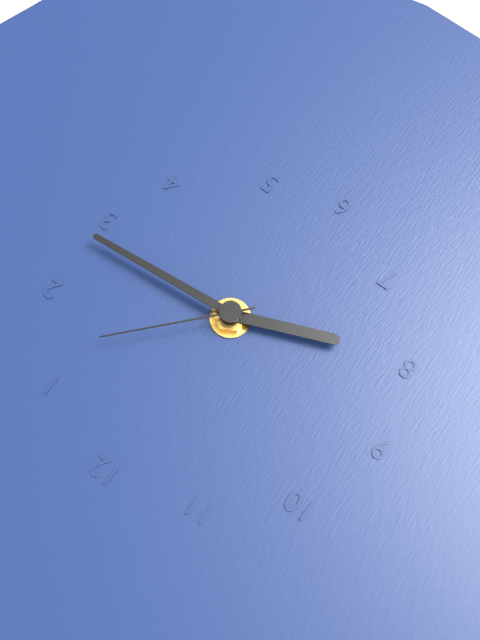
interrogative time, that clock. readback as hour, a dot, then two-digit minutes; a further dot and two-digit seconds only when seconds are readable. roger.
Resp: 8.14.07
